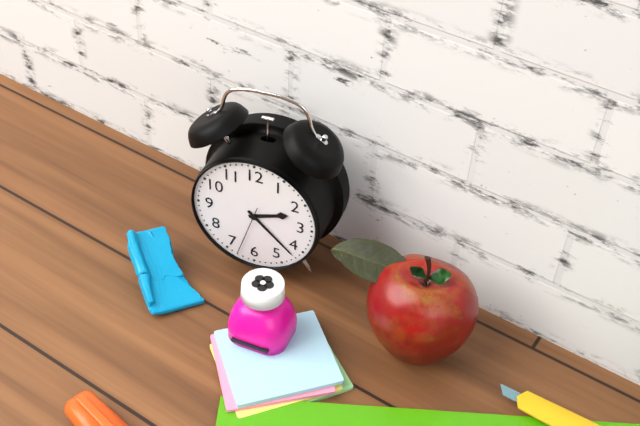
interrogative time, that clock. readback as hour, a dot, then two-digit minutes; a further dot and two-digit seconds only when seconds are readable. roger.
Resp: 2.22.33
